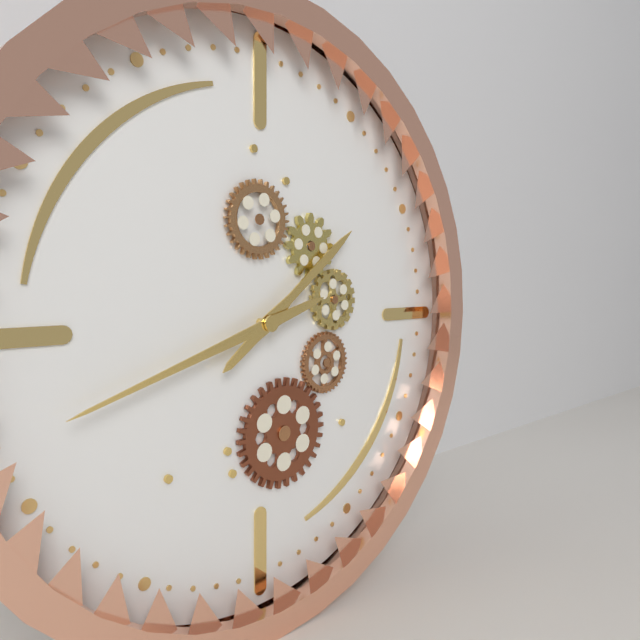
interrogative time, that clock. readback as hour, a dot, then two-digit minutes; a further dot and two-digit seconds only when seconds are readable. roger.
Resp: 1.42
